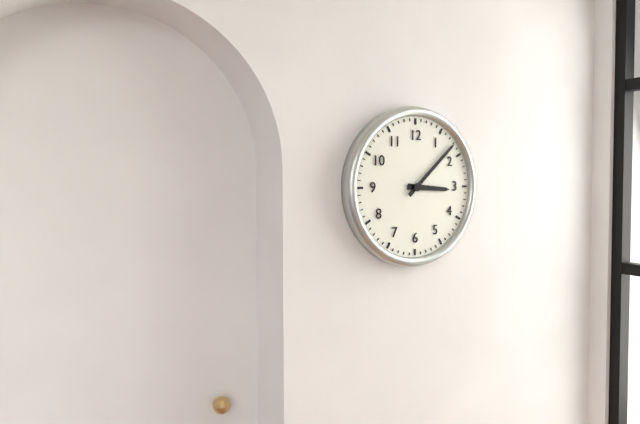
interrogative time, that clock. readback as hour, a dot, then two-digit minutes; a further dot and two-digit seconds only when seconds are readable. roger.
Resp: 3.08
